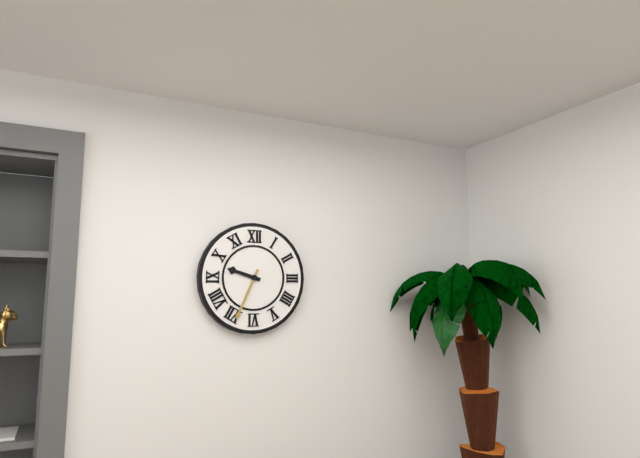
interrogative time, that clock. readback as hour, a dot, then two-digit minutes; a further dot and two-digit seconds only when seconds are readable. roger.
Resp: 9.34
